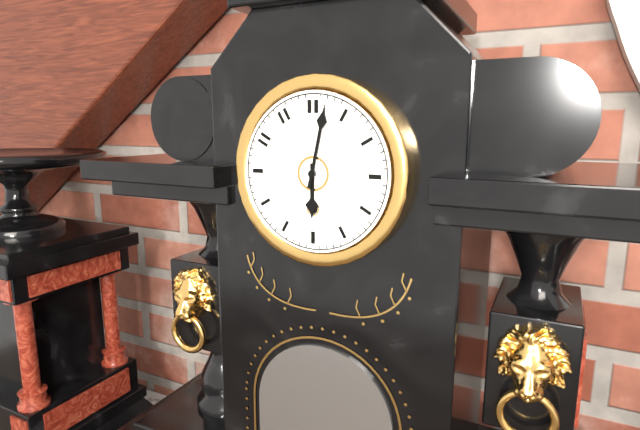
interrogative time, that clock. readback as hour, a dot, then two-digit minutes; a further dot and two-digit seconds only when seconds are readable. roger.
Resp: 6.02
